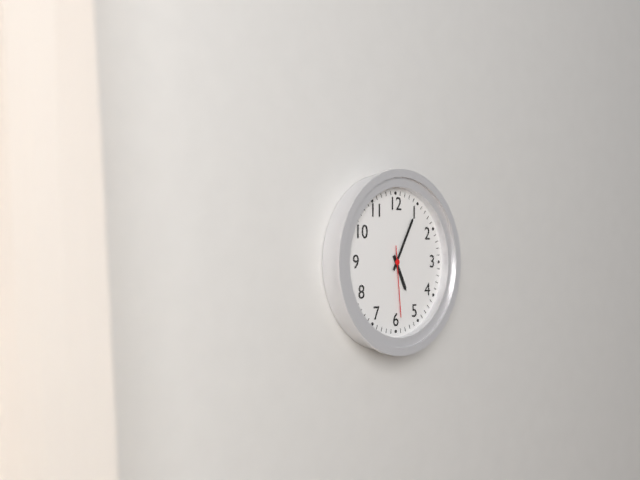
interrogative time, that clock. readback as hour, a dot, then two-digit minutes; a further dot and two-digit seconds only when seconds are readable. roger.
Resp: 5.05.29
